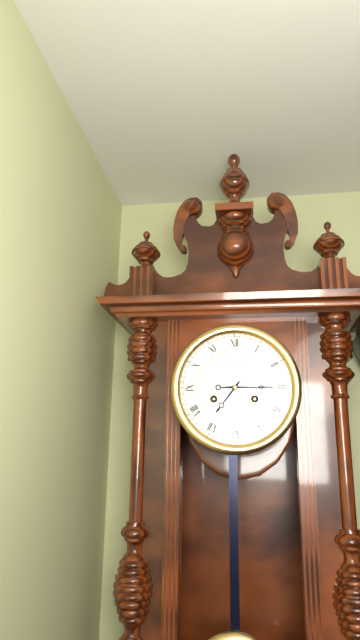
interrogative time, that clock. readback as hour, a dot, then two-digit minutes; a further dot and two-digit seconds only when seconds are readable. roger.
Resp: 7.15
